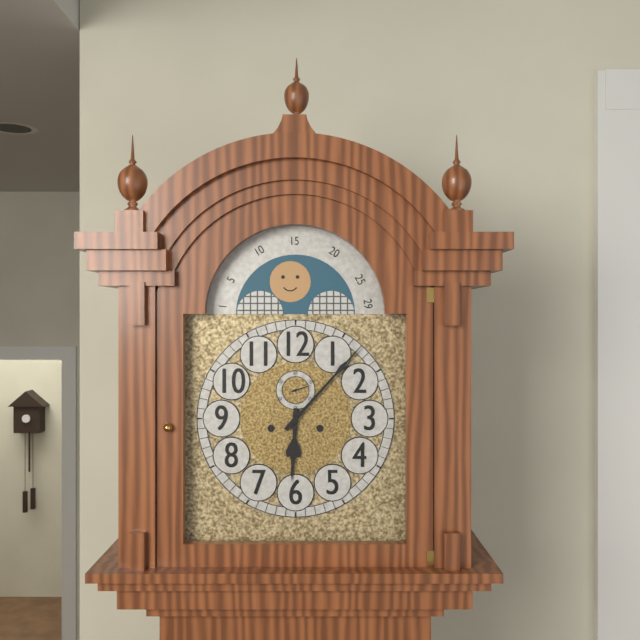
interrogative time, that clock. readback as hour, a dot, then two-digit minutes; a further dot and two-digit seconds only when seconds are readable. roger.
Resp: 6.07
